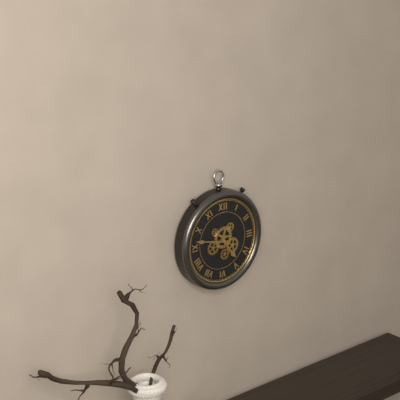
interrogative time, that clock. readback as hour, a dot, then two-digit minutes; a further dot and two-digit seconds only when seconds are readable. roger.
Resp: 4.47
